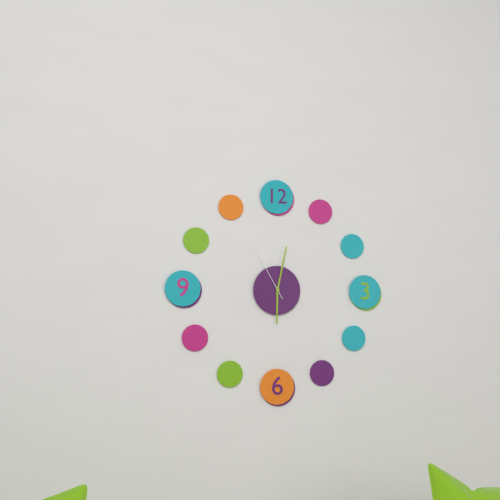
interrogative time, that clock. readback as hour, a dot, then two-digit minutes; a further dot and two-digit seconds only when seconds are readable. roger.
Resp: 6.02.55
